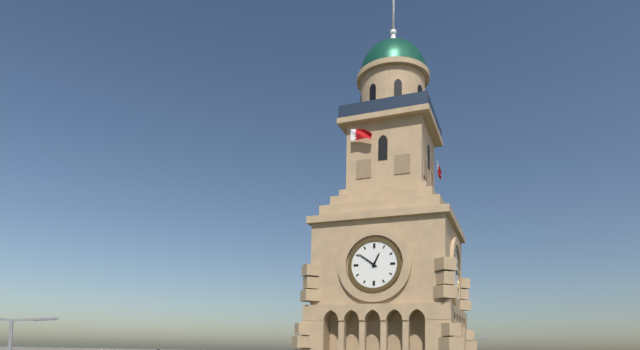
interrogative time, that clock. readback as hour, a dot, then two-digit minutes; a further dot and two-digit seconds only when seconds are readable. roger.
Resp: 12.51
